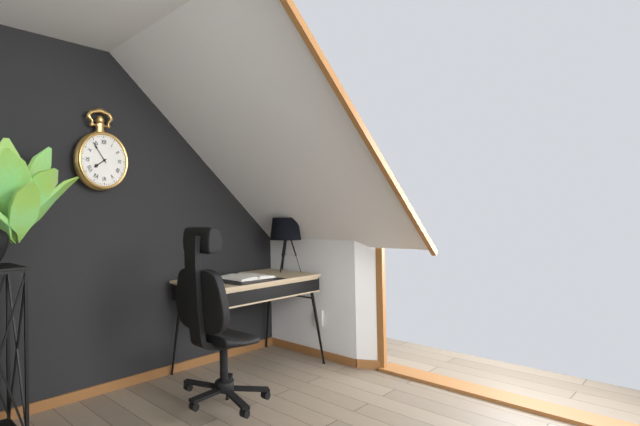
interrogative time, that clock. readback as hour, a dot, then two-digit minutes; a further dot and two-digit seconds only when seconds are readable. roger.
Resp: 7.54
